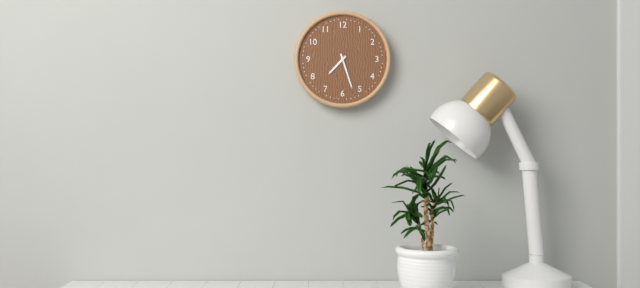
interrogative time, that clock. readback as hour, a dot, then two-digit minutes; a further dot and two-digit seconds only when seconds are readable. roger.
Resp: 7.27
